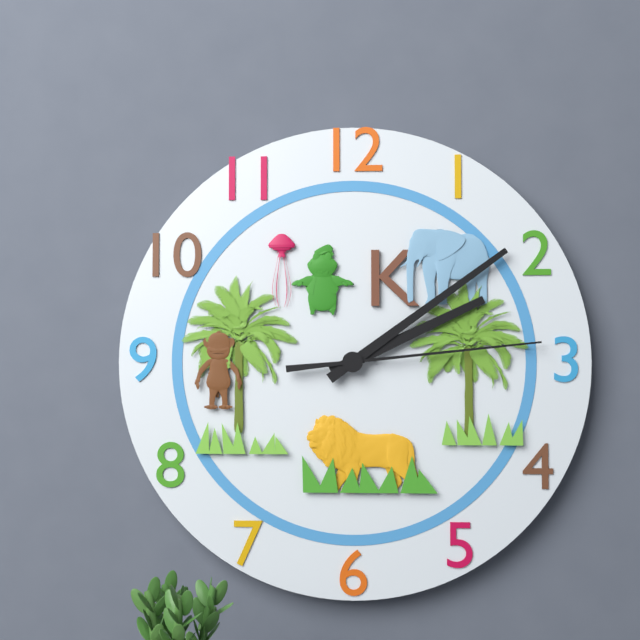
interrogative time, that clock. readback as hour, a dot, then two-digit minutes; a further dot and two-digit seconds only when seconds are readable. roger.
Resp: 2.09.14
